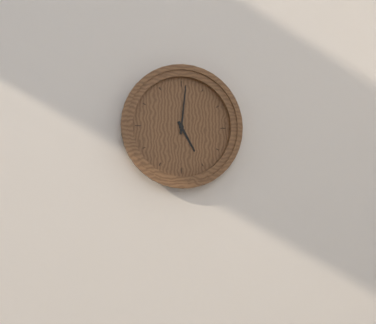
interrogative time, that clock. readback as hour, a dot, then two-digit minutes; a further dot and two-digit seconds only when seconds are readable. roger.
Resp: 5.01
